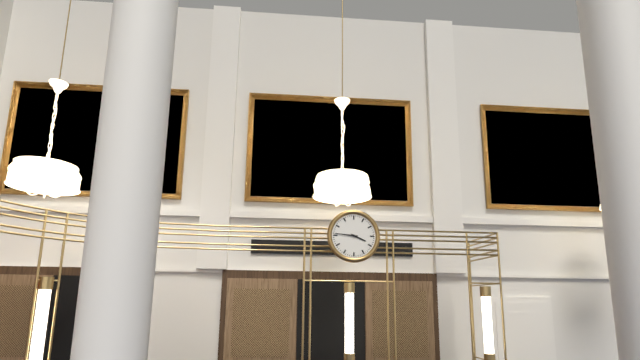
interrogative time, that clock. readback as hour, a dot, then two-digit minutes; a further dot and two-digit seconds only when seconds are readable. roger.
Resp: 3.46
